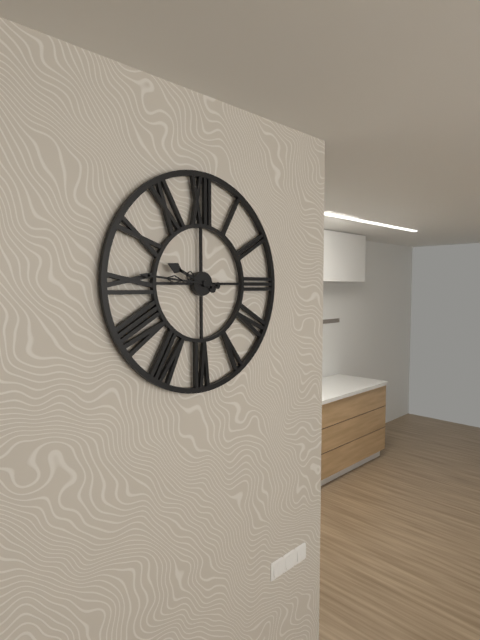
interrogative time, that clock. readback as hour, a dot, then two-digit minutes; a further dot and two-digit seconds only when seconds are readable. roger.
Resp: 9.46
